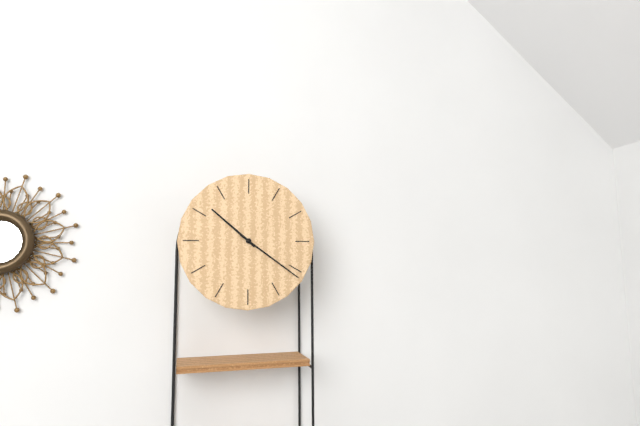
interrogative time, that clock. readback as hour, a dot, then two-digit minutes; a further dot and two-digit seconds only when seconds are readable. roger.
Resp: 10.21
